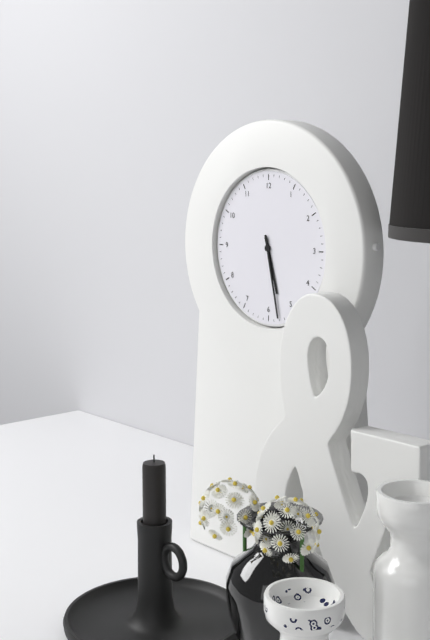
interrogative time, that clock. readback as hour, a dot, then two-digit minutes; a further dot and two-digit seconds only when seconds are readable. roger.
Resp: 5.28
